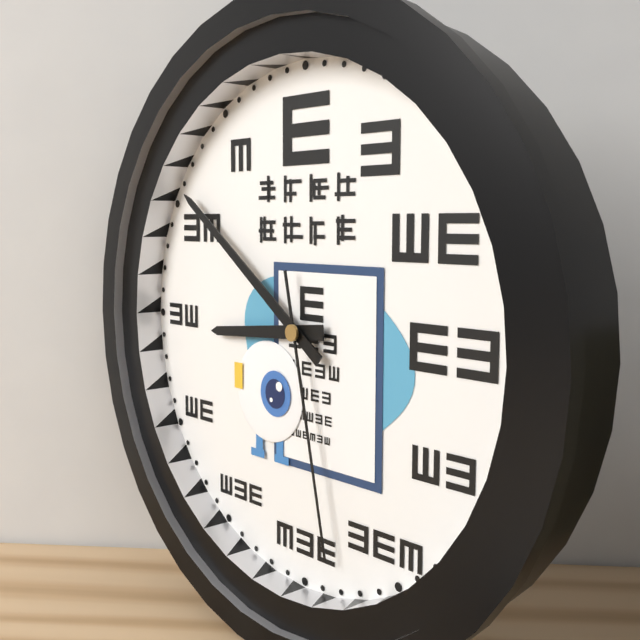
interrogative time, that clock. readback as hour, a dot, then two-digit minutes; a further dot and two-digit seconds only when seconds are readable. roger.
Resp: 8.51.28
